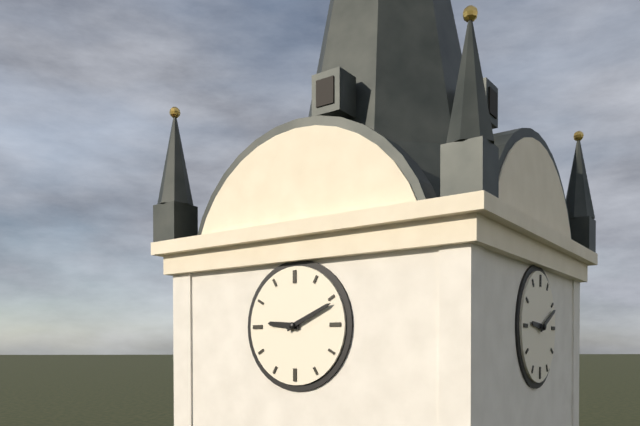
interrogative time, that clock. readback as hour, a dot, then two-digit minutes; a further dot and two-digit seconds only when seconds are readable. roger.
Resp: 9.11
